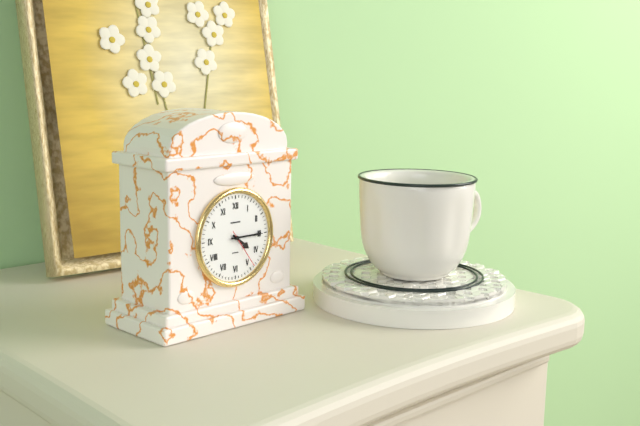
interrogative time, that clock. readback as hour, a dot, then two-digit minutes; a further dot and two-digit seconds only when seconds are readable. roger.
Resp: 4.15
